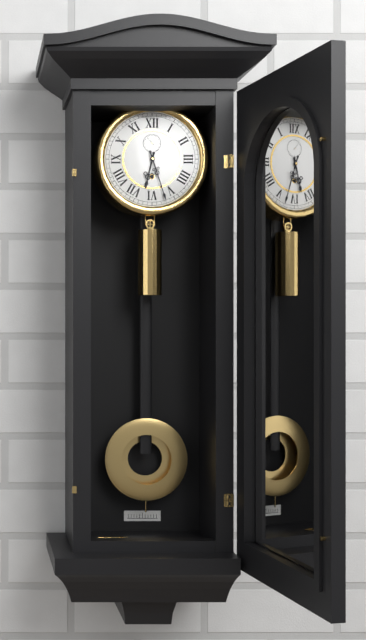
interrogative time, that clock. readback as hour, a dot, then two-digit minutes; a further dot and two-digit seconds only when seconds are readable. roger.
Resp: 6.27
